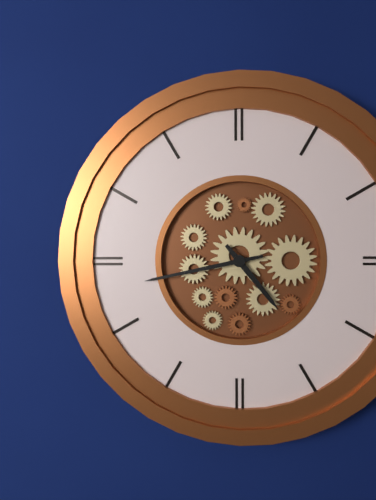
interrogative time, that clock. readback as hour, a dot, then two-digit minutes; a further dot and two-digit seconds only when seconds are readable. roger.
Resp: 4.43
